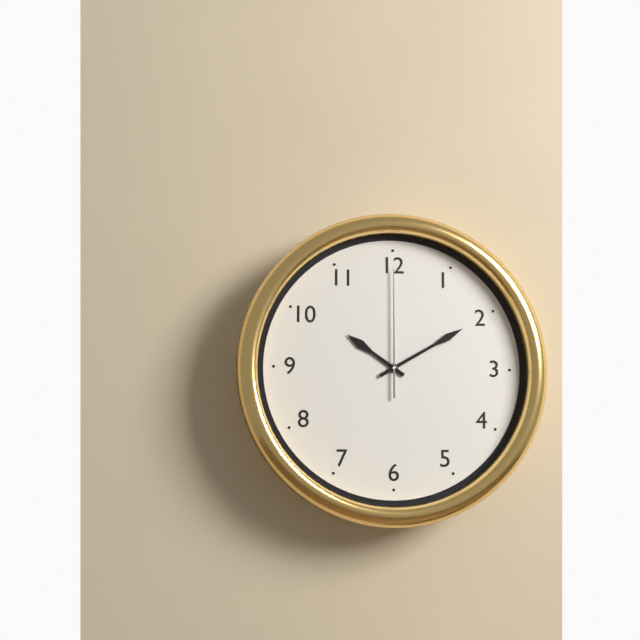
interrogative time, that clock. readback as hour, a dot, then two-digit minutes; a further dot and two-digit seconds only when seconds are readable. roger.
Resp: 10.10.00
